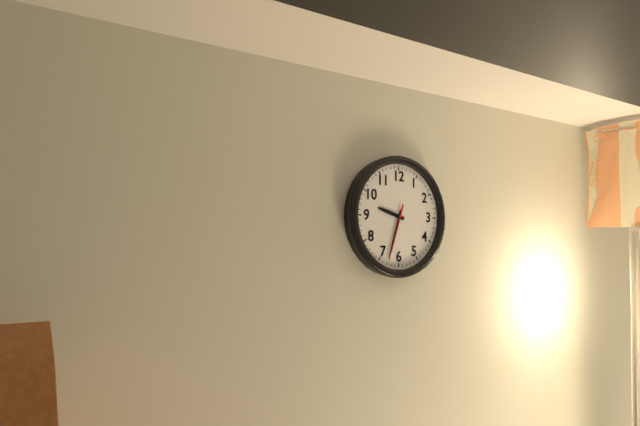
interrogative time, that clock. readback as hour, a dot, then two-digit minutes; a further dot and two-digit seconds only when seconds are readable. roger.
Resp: 9.33.33
